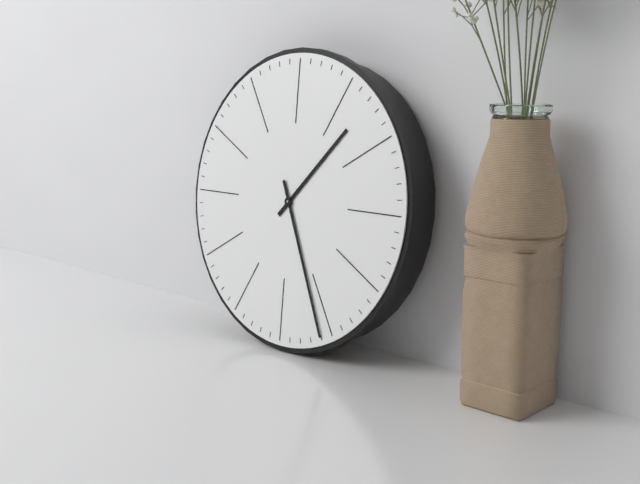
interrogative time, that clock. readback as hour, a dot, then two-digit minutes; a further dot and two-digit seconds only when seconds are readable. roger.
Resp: 1.26
